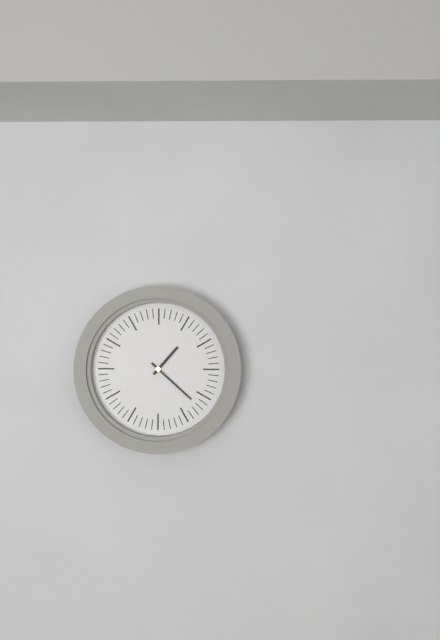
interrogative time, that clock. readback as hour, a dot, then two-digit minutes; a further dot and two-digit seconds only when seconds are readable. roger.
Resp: 1.22
